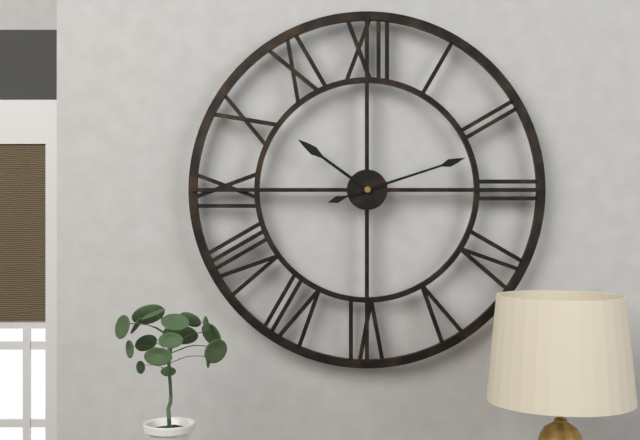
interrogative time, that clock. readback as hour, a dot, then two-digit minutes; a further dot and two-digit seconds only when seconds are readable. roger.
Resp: 10.12
